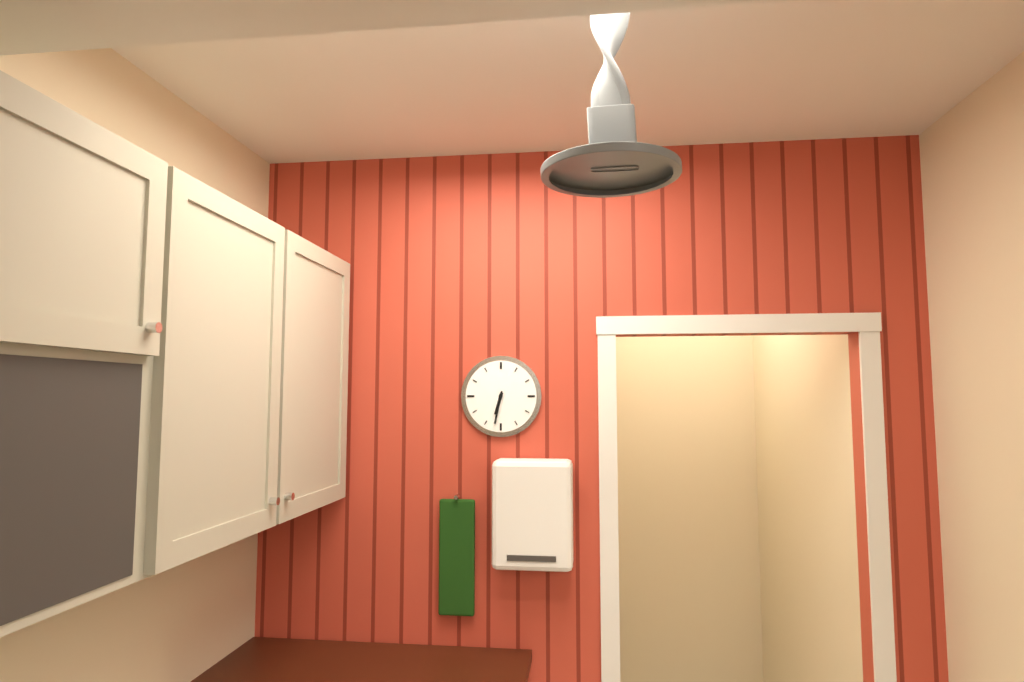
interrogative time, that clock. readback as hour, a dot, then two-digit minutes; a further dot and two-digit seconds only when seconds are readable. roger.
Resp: 6.32
